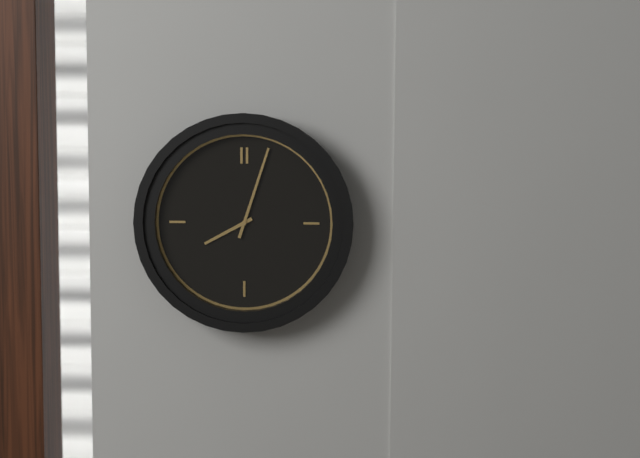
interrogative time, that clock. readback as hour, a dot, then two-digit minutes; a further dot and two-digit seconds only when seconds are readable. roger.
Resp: 8.03
